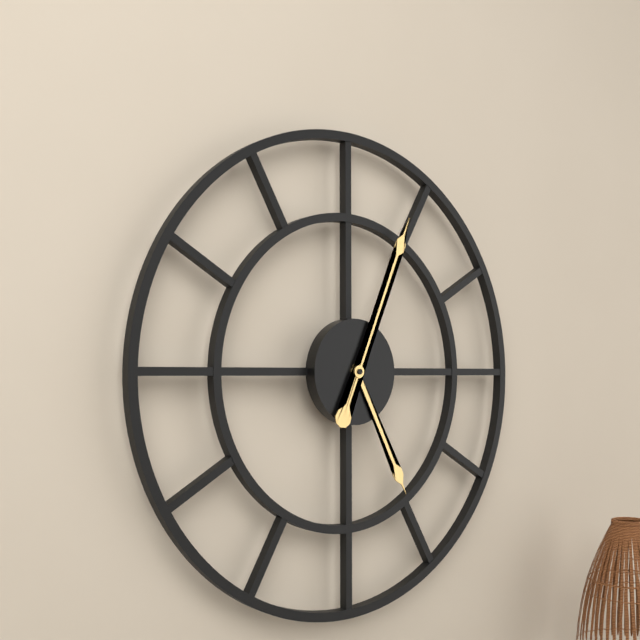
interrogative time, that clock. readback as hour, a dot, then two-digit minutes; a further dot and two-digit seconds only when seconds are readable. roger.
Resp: 5.04
